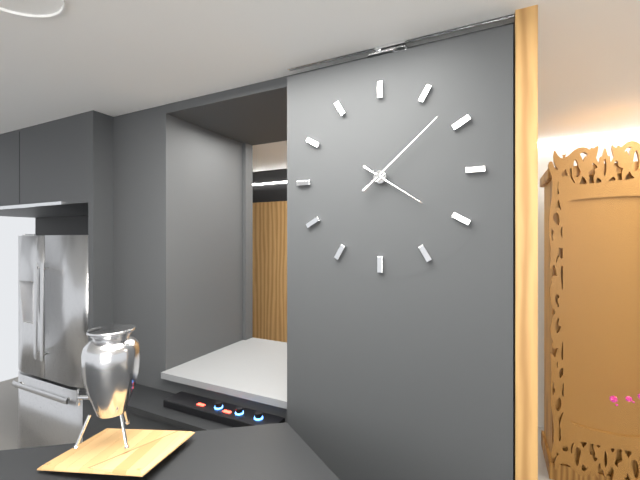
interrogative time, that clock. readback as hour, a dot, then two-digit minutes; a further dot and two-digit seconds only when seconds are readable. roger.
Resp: 4.08
